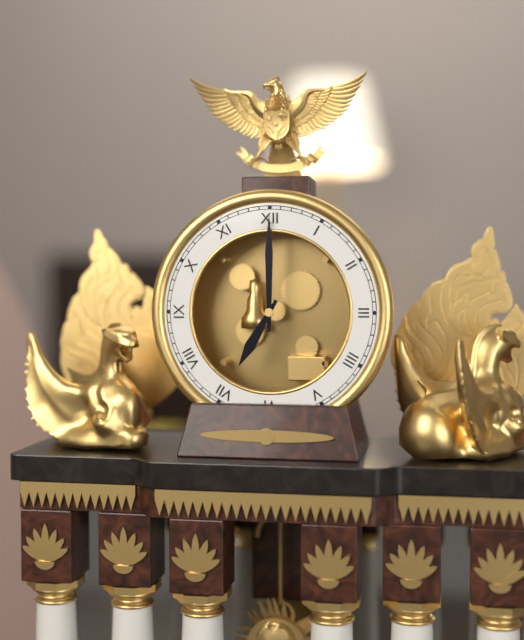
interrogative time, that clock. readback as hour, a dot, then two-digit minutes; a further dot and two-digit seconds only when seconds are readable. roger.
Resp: 7.00
